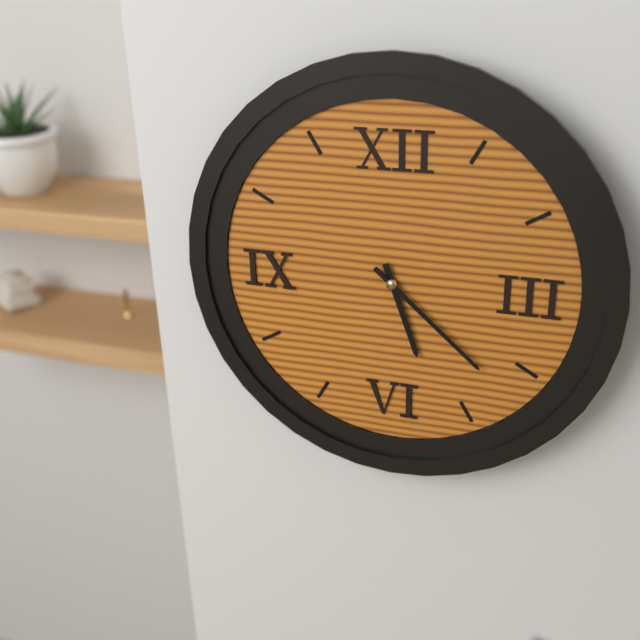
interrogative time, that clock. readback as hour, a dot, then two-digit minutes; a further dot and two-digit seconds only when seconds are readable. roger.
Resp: 5.22
